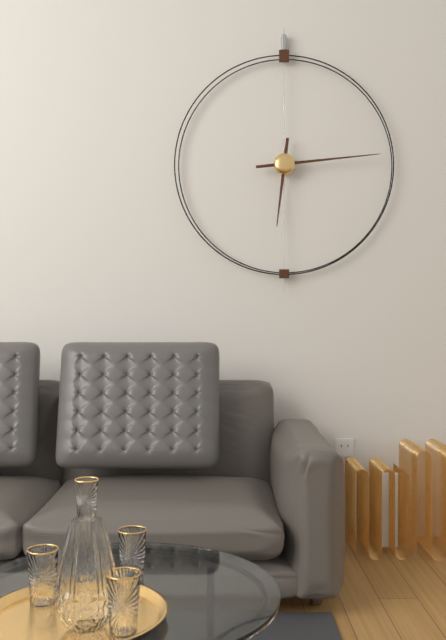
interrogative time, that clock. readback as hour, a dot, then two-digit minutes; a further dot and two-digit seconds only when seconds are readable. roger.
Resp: 6.14
